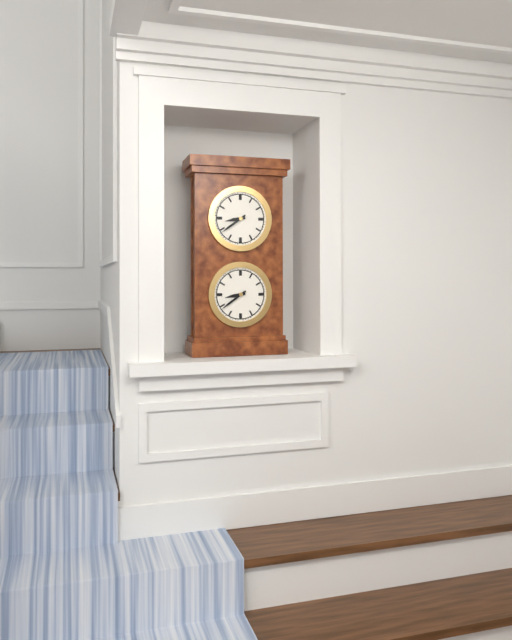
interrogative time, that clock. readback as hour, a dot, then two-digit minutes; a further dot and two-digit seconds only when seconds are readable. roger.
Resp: 8.39
